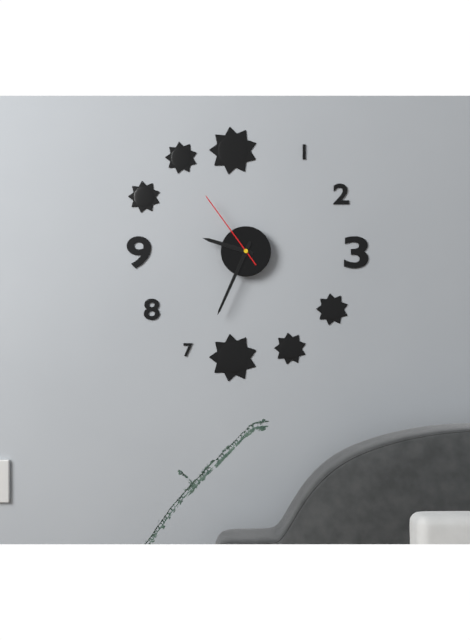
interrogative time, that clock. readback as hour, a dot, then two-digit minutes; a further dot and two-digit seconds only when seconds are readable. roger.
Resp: 9.34.54
